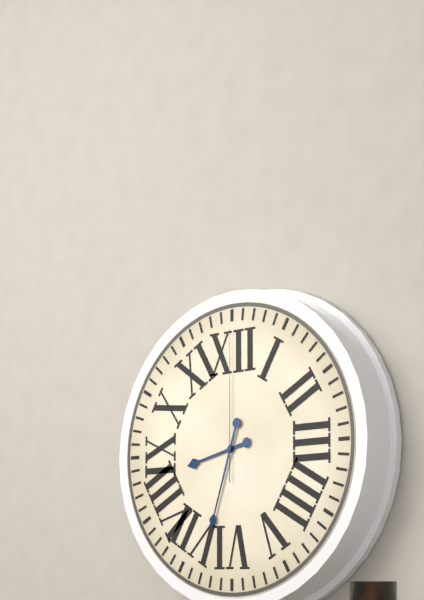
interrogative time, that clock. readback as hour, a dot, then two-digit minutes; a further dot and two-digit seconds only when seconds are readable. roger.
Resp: 8.33.00
